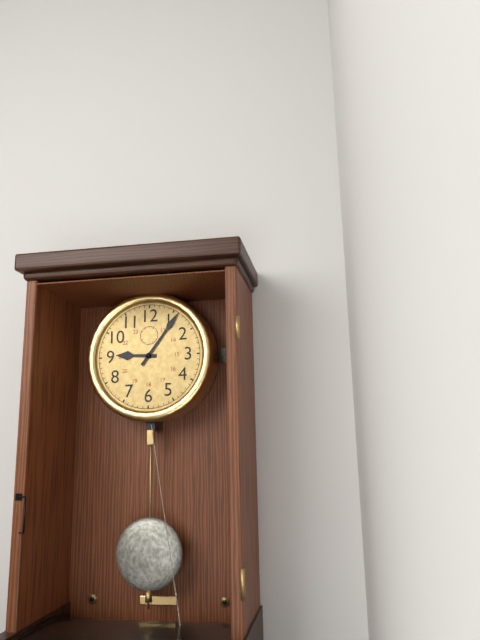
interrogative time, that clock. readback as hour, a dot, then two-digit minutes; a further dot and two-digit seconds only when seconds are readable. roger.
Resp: 9.06
